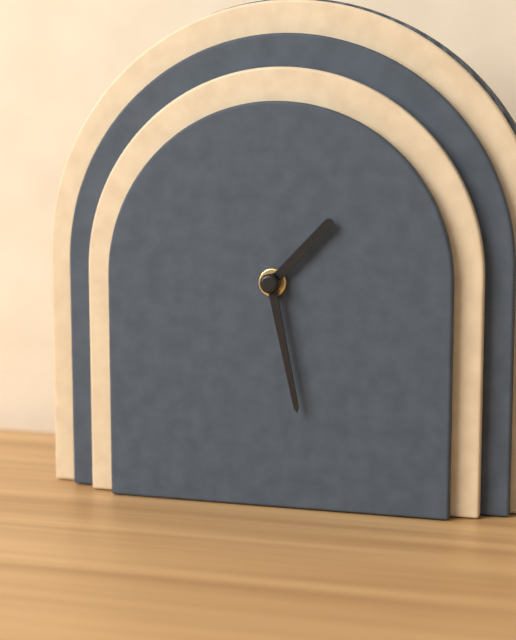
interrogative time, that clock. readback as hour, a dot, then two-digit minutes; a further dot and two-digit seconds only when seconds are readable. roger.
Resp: 1.28
